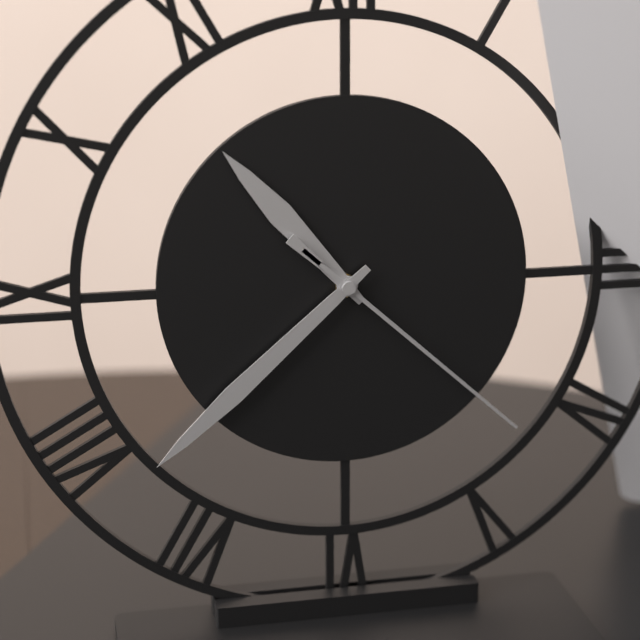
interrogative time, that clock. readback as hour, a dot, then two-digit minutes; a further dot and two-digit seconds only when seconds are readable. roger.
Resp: 10.38.22
